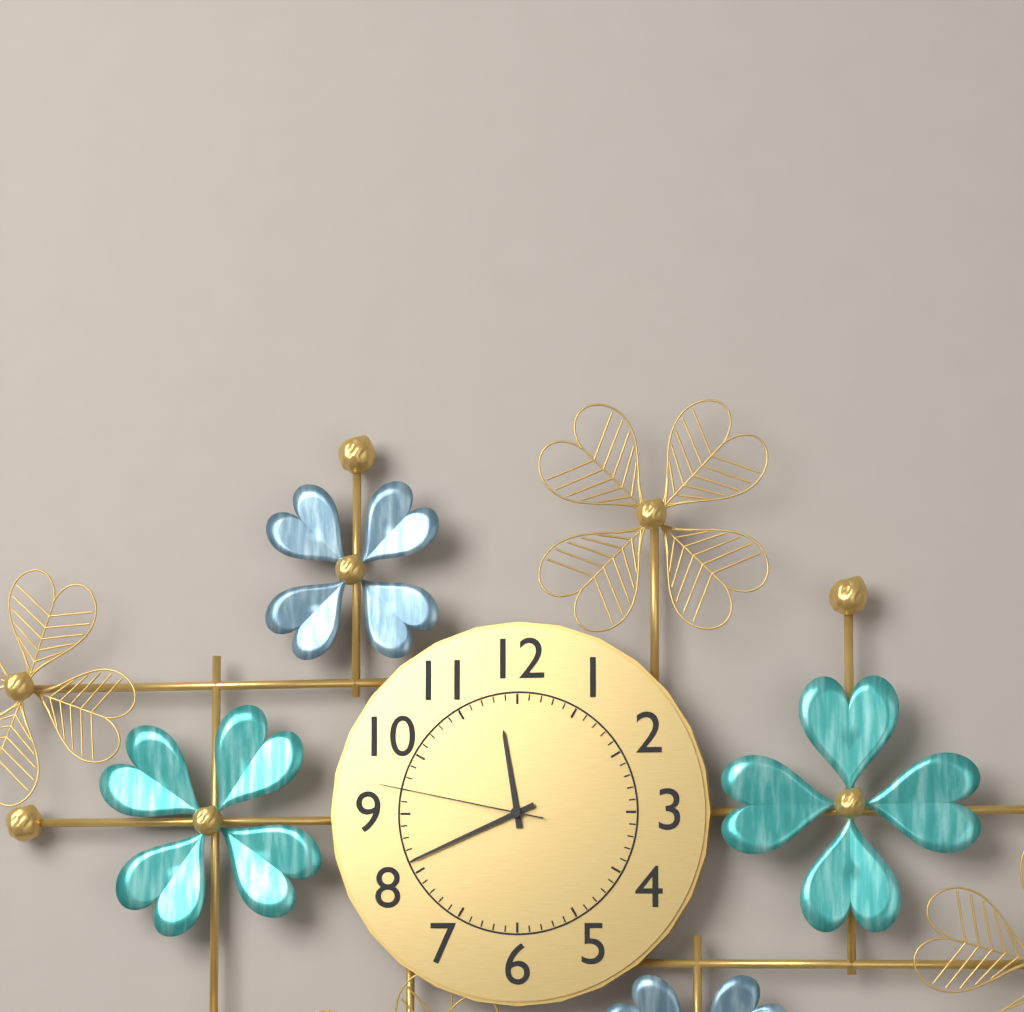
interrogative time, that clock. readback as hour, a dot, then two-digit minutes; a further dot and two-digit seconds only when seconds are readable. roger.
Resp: 11.41.47
